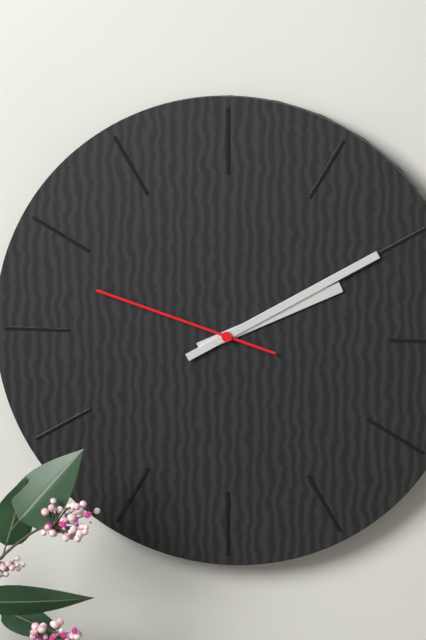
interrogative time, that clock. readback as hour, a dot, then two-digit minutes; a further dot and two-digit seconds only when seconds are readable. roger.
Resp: 2.10.48
